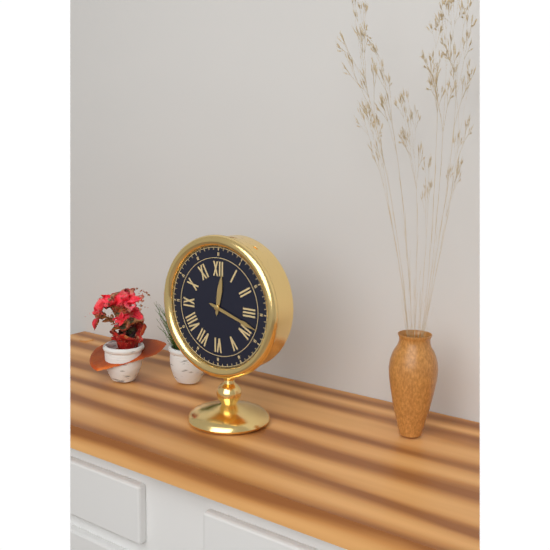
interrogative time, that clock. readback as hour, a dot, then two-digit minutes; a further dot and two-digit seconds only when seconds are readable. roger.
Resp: 12.18
